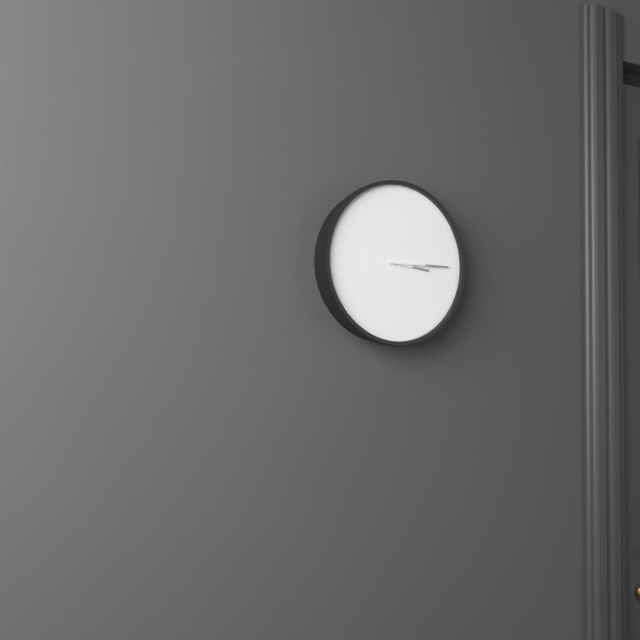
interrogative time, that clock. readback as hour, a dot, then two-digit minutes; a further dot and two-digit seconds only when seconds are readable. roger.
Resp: 3.15
